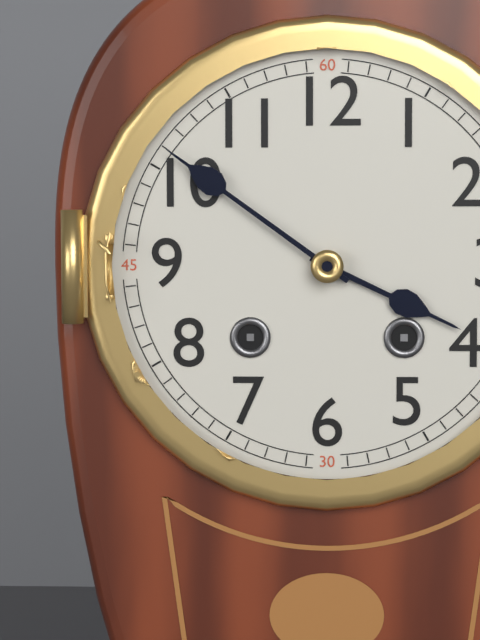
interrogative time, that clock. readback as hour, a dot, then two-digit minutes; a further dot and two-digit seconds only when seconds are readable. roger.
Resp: 3.51
